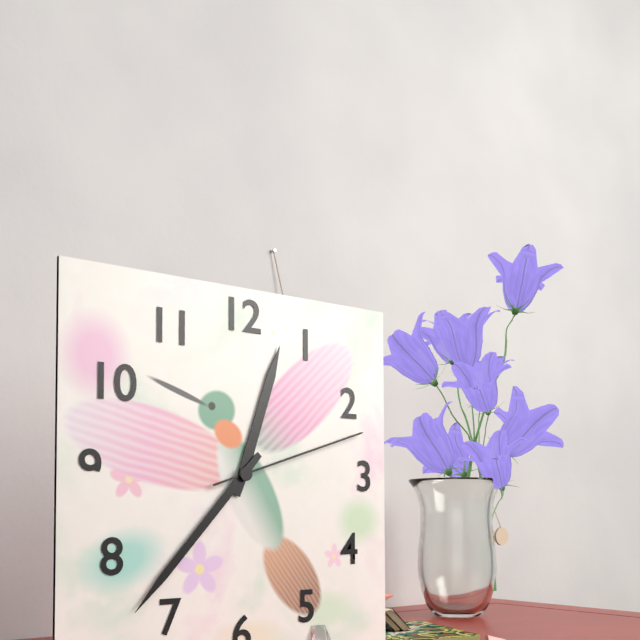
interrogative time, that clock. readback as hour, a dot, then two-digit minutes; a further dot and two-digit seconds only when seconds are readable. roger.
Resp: 12.37.12
